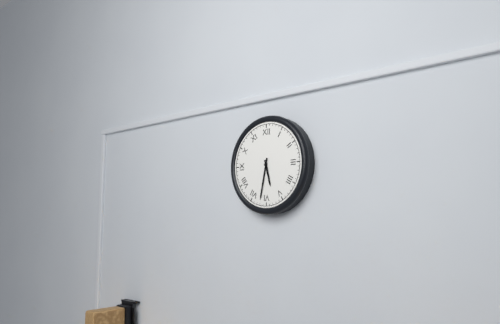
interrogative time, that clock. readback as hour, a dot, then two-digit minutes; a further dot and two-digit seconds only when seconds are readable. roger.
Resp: 5.32
